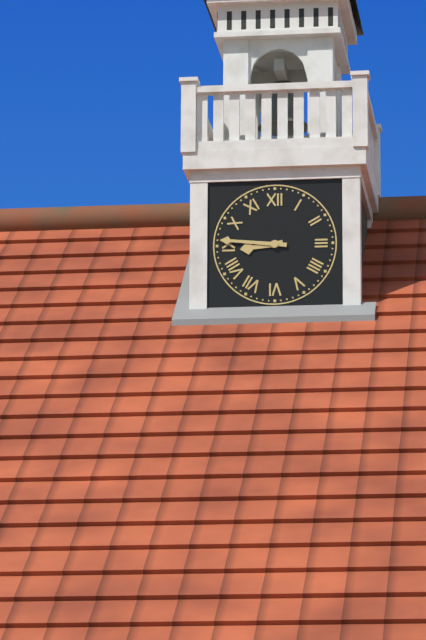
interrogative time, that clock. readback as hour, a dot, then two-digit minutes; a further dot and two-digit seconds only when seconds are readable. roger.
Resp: 8.46
